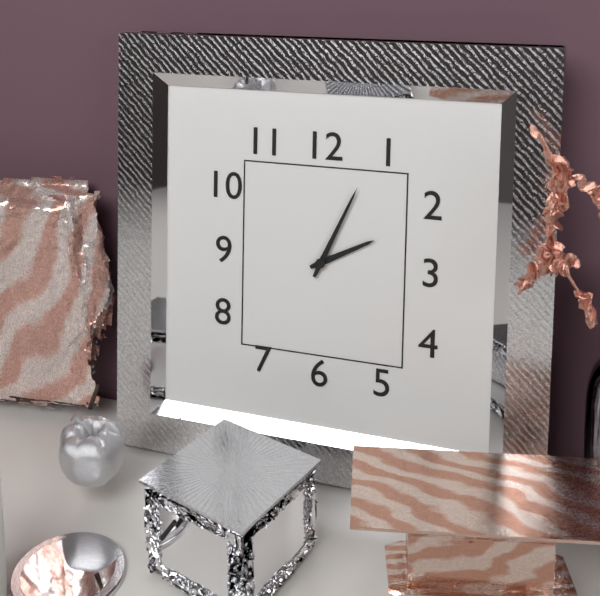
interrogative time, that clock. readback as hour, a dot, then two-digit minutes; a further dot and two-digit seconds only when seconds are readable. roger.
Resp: 2.04
